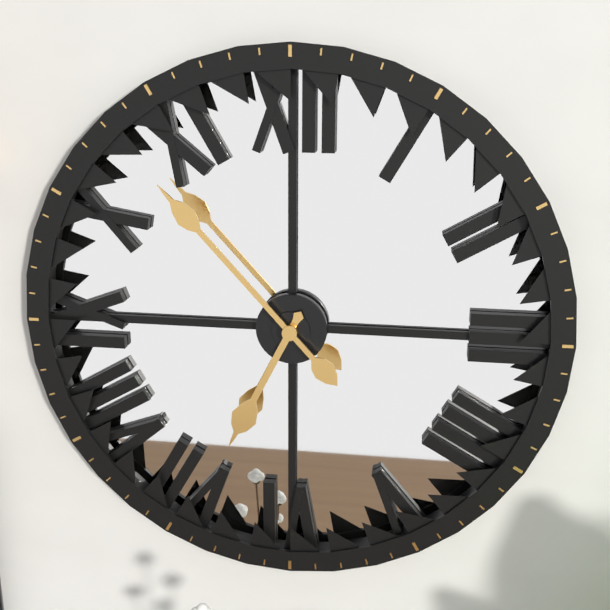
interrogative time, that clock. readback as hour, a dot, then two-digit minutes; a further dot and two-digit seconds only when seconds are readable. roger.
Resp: 6.53
